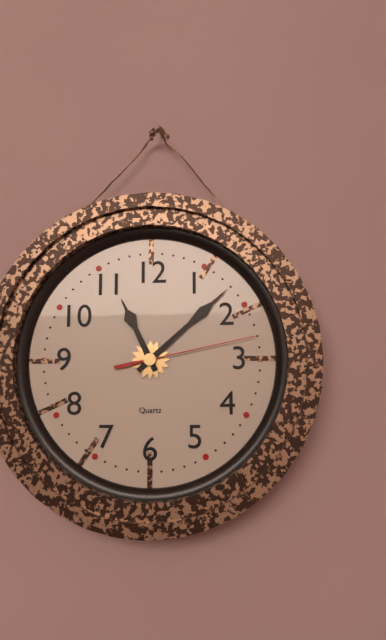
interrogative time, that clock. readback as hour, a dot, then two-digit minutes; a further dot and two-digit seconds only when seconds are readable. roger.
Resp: 11.08.13
